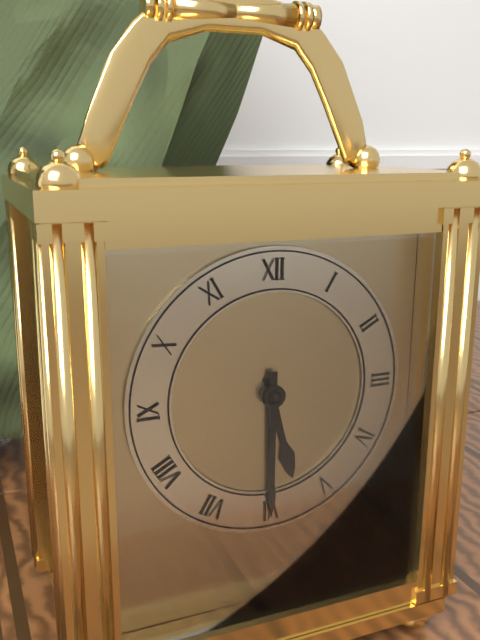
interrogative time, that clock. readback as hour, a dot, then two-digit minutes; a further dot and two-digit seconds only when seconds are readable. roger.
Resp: 5.30
